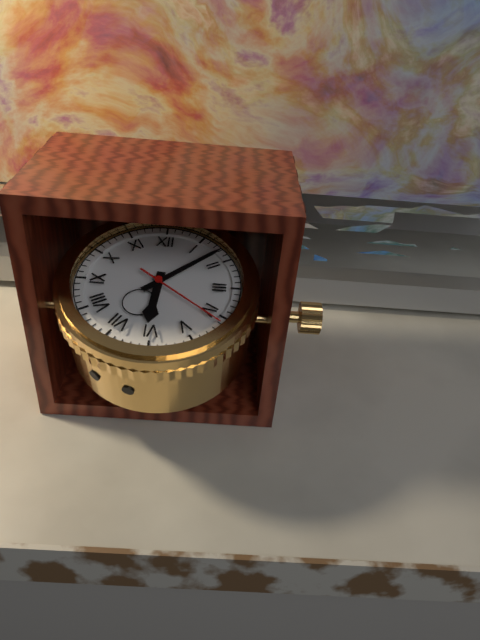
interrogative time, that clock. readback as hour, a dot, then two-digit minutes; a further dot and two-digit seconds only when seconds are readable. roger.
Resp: 6.08.21
